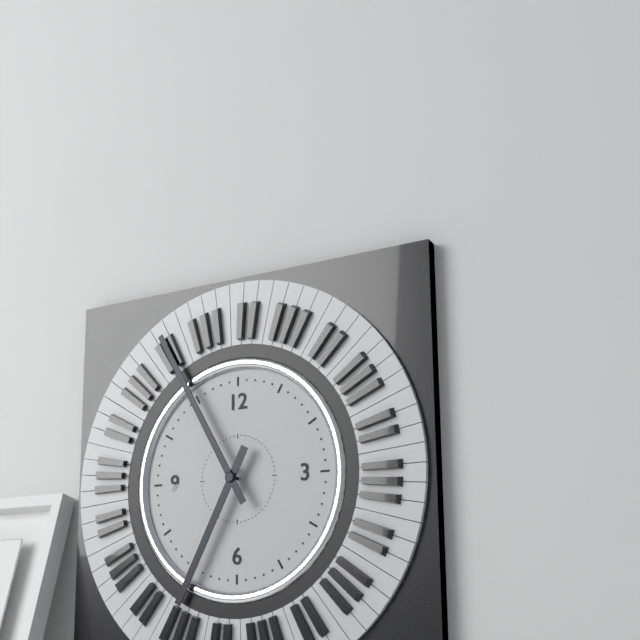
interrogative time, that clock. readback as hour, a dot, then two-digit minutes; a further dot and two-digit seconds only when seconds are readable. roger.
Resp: 6.55
